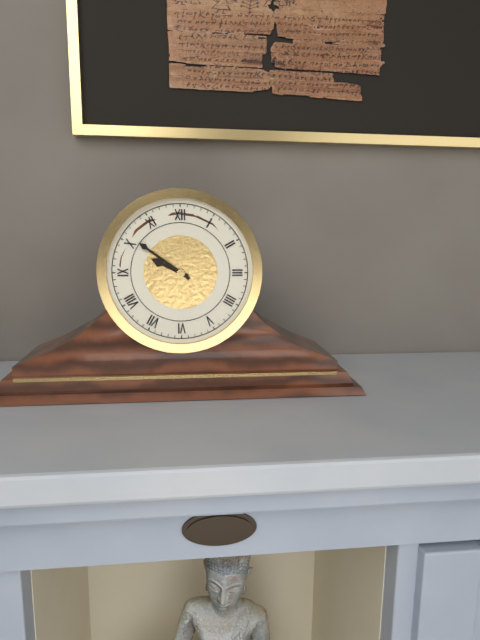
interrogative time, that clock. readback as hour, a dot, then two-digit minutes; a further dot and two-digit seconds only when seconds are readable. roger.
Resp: 9.51
